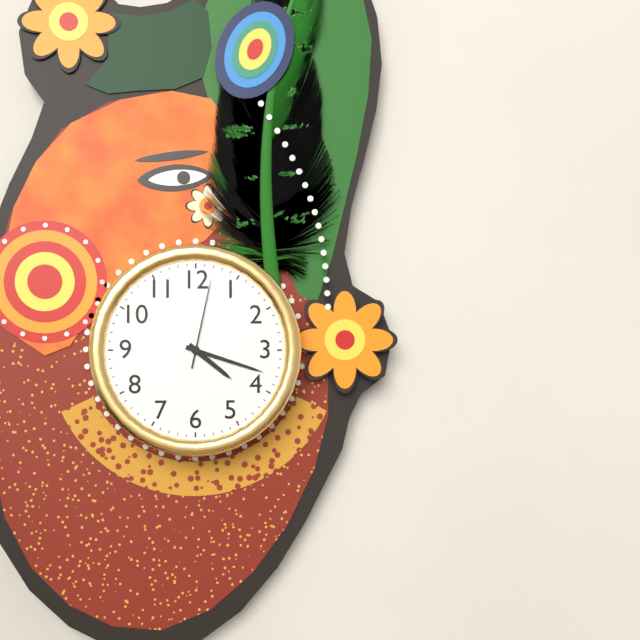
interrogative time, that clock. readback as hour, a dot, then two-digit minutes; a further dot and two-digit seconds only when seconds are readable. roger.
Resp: 4.18.02
